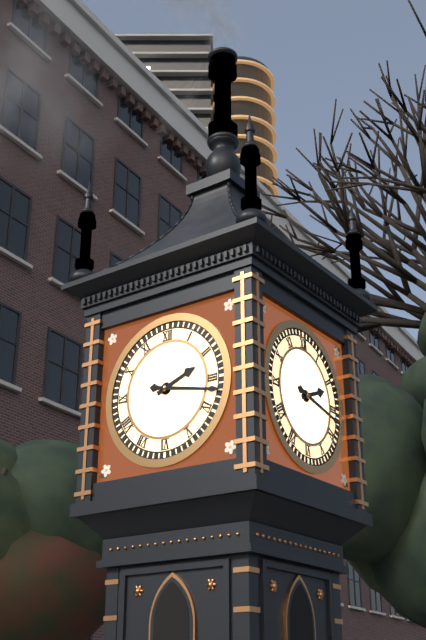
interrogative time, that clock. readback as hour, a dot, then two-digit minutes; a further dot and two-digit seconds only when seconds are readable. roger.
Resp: 2.17
